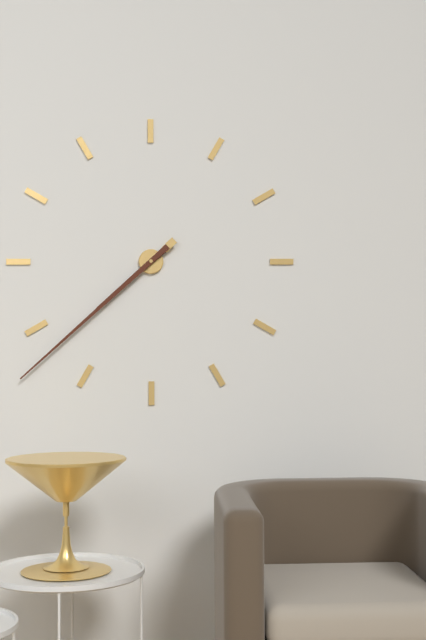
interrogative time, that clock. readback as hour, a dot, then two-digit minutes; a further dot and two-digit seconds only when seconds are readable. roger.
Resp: 7.38
